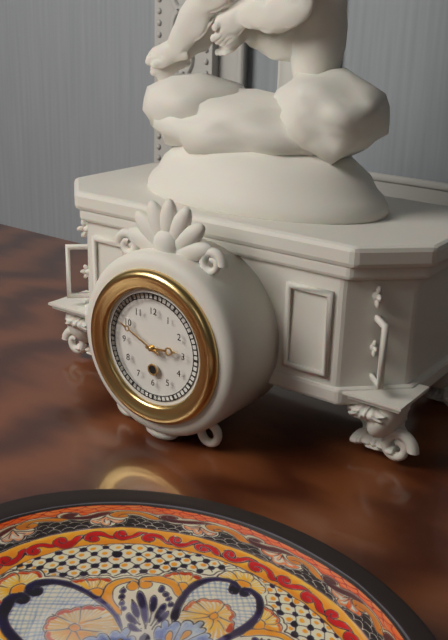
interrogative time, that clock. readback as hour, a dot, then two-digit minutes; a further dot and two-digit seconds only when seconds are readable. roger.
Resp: 2.49
